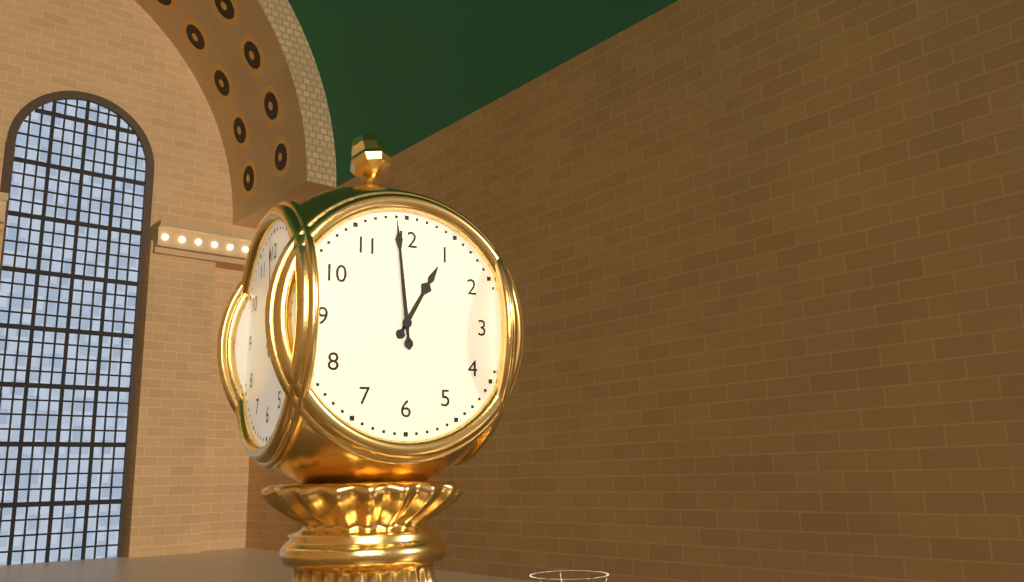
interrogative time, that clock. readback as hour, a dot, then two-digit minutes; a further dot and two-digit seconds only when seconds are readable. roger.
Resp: 12.59
